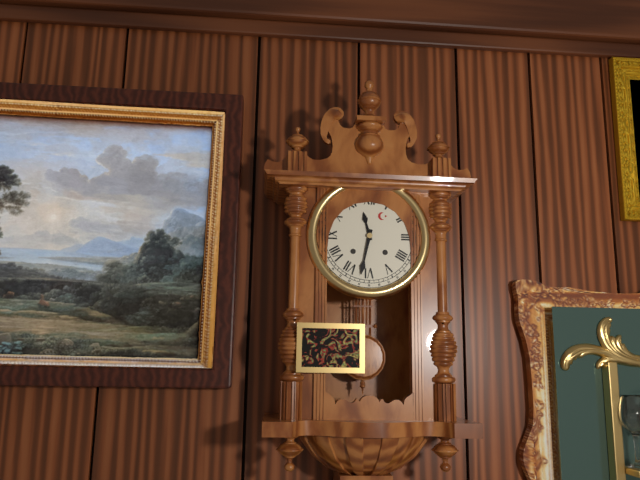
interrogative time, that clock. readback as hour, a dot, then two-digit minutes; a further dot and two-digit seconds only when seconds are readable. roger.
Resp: 11.32
